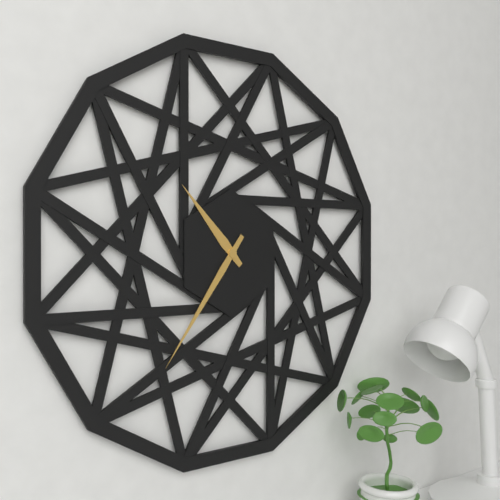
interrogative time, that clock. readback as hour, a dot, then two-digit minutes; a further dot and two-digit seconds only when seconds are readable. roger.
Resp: 10.36
